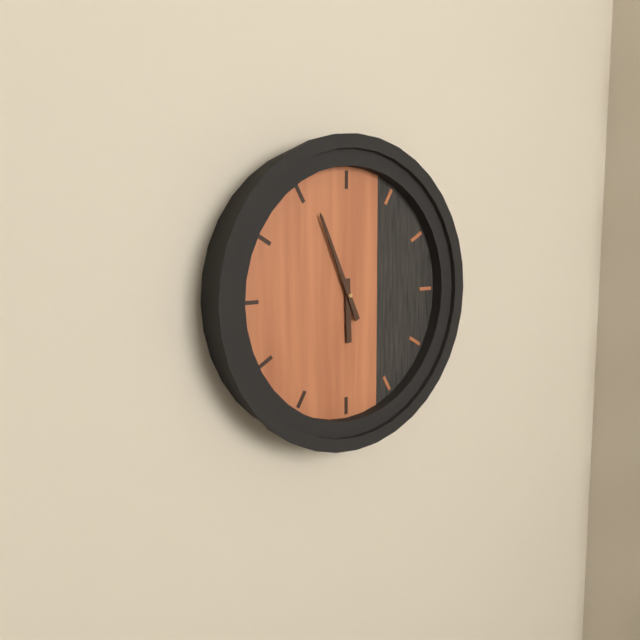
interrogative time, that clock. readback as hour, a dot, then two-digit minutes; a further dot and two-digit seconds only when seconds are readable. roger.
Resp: 5.56
